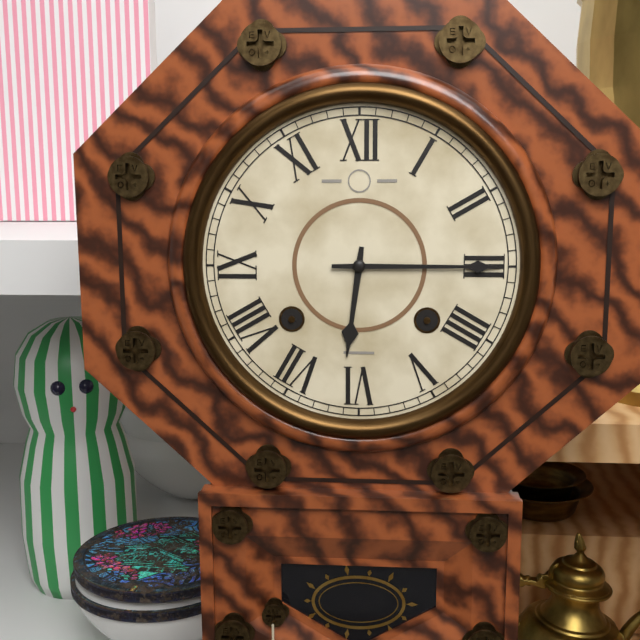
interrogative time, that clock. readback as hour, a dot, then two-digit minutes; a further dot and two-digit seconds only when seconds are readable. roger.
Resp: 6.15
